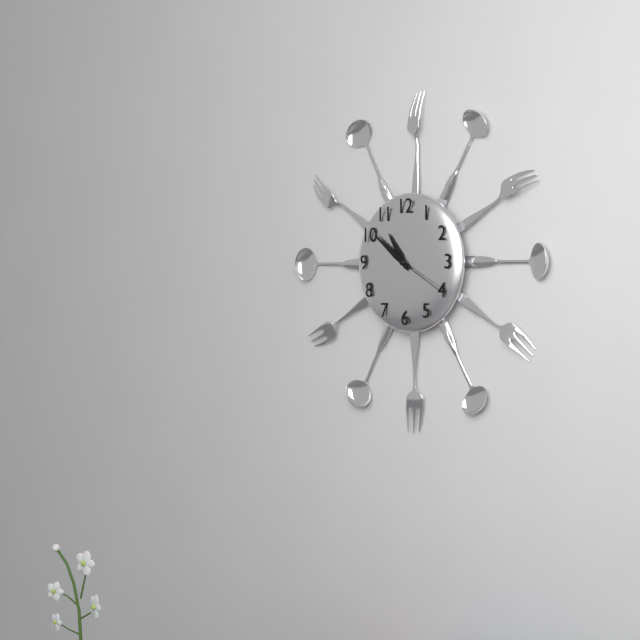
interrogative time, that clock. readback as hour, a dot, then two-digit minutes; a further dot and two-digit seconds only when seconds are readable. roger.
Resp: 10.51.20
